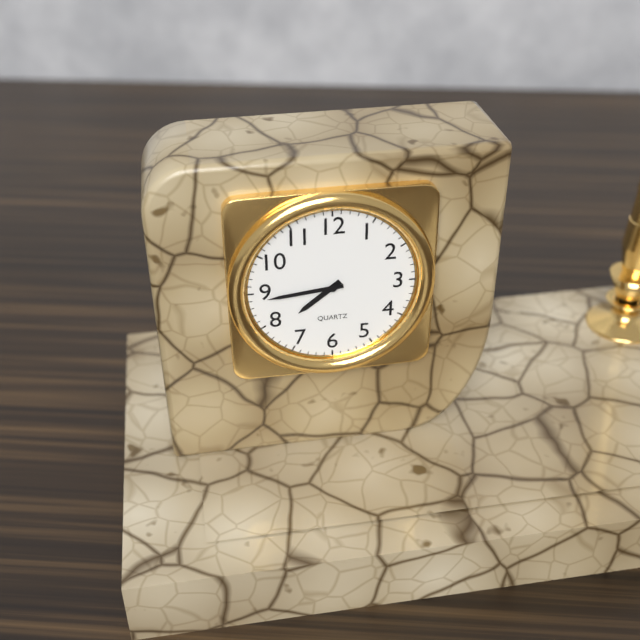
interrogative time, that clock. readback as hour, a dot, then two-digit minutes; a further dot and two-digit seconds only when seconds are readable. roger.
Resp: 7.44
